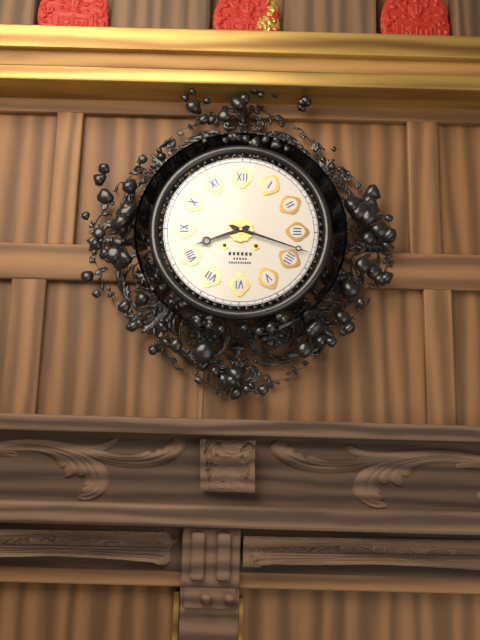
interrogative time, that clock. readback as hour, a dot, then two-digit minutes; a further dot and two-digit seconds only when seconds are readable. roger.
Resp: 8.18
